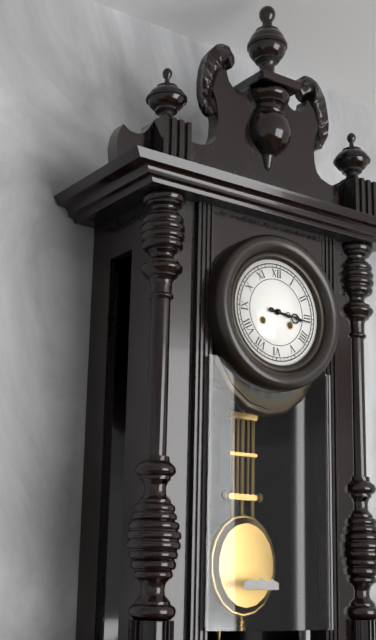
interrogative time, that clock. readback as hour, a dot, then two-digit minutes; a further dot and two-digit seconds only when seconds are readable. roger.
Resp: 3.16
